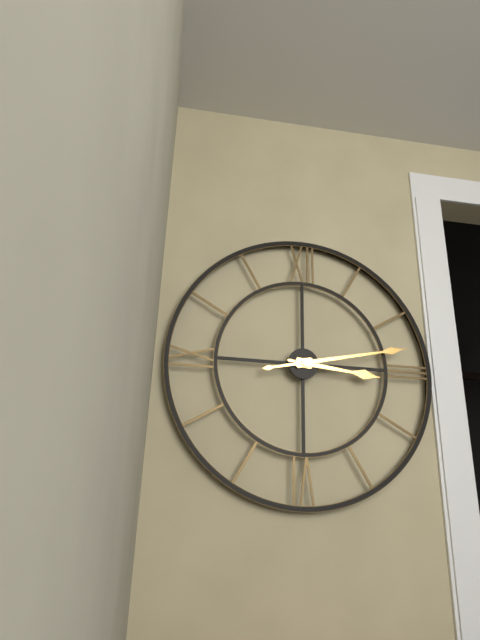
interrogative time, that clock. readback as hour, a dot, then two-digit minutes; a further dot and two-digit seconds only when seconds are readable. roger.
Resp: 3.13
